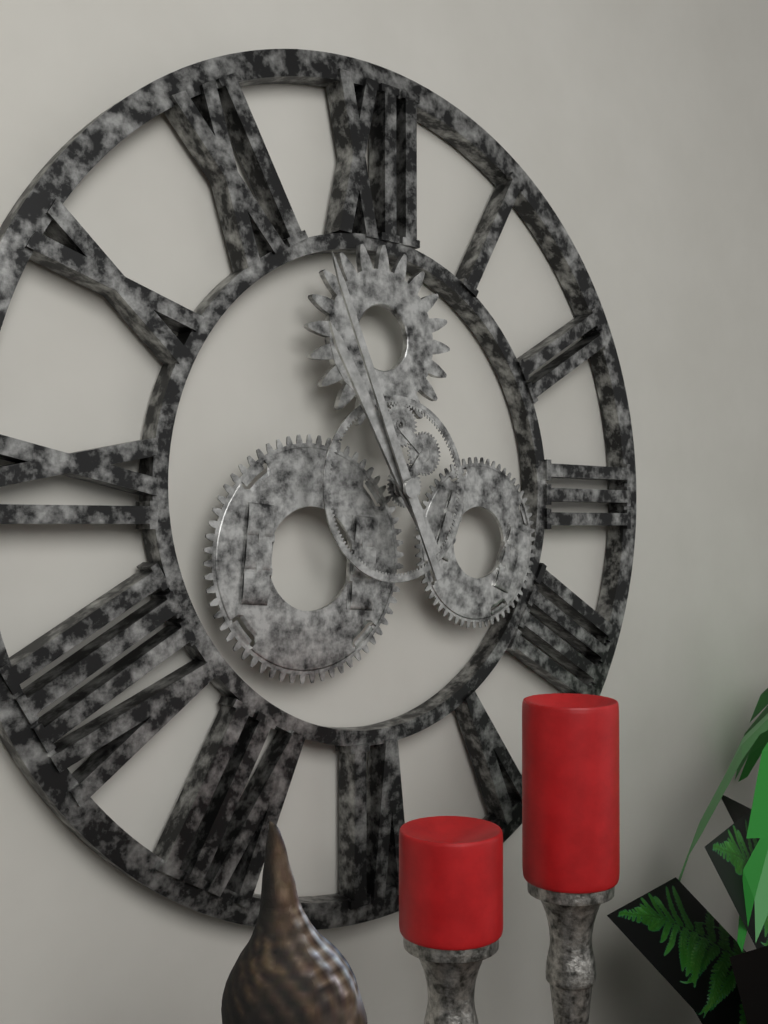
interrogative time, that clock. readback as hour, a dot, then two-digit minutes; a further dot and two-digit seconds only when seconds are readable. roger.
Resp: 10.56
